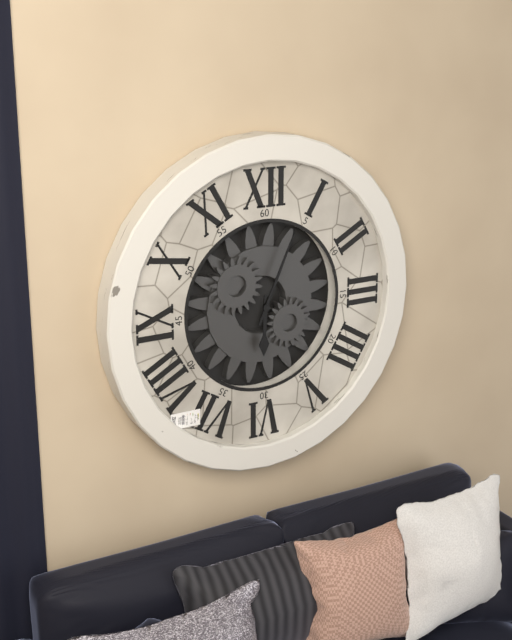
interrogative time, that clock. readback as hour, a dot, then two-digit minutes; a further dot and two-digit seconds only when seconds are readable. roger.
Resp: 6.04
